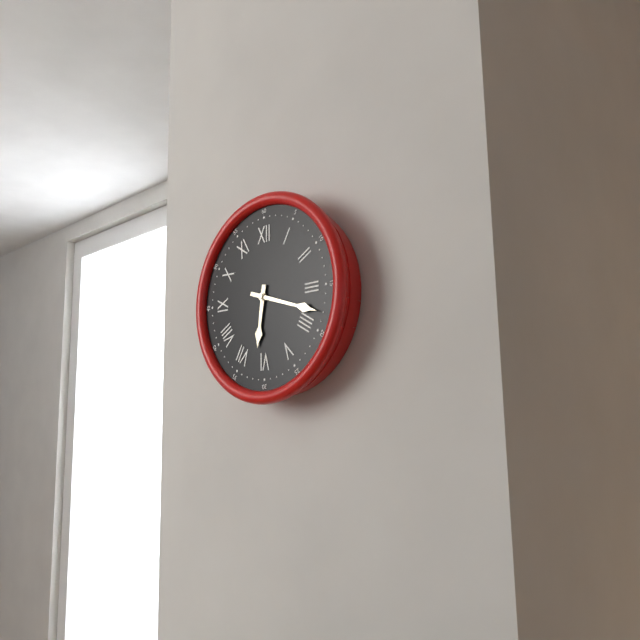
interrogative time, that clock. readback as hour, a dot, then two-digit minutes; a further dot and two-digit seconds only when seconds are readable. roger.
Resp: 6.18
